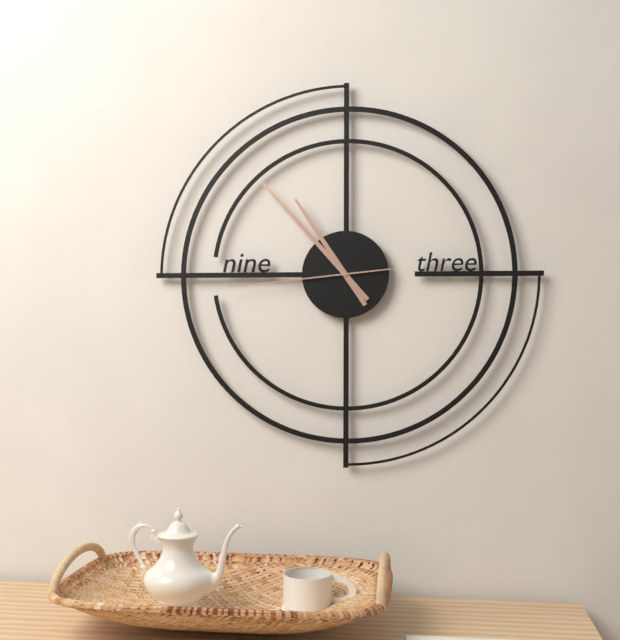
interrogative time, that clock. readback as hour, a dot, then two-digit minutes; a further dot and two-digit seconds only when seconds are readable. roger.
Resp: 10.53.44
